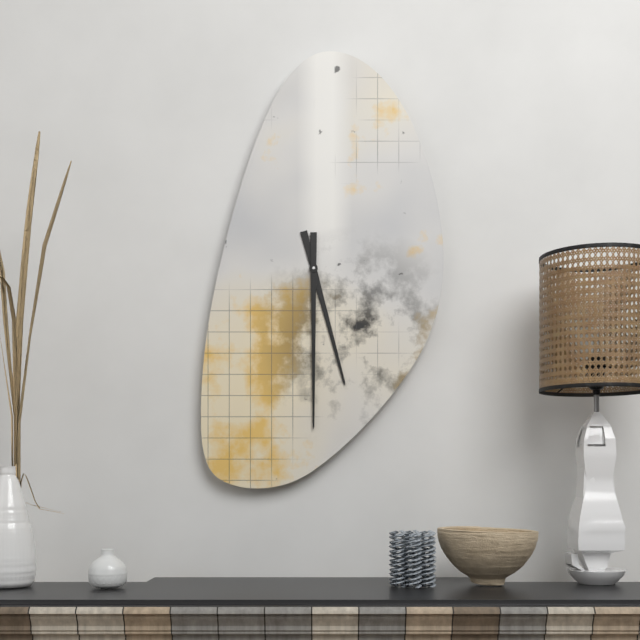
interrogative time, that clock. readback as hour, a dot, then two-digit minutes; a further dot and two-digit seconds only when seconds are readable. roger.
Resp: 5.30
